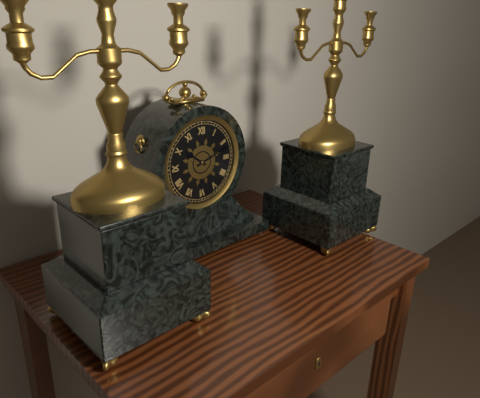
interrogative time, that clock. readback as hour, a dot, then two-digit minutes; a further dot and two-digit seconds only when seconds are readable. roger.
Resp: 10.12
